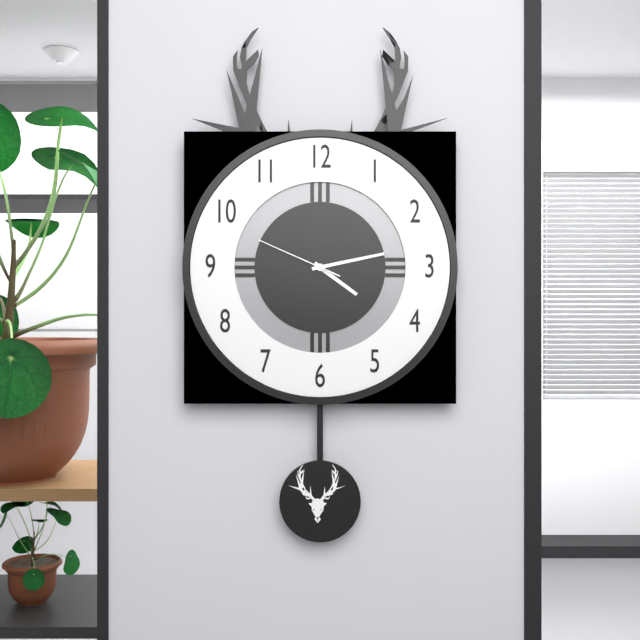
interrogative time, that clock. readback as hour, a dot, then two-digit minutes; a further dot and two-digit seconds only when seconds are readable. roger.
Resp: 4.13.49
